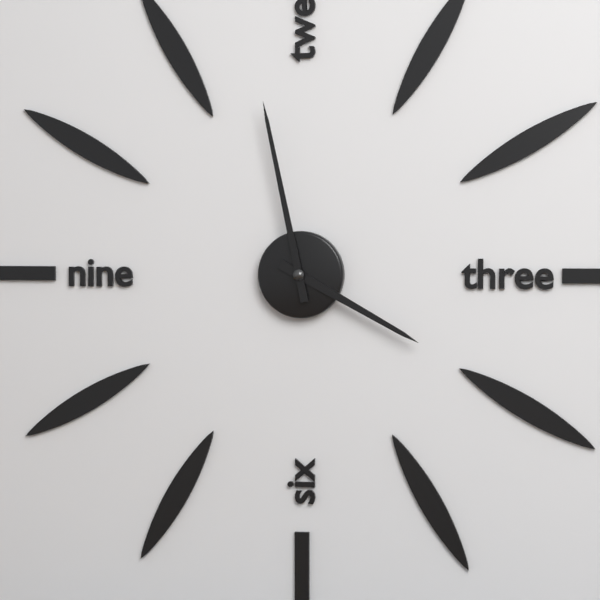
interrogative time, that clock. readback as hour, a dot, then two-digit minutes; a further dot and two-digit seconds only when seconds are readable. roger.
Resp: 3.58
